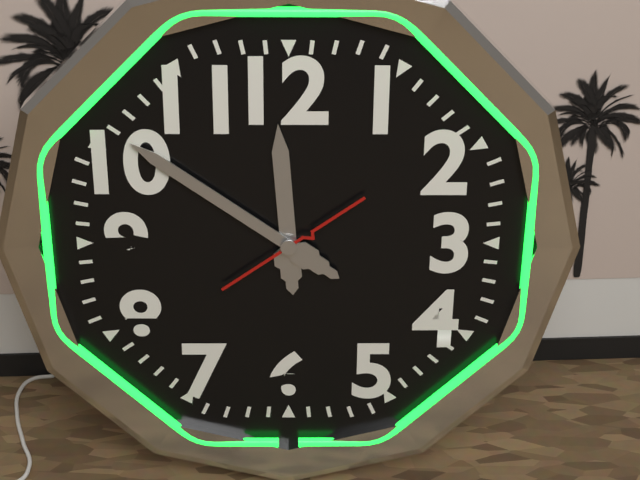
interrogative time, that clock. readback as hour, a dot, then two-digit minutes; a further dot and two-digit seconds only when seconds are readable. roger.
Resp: 11.51.09
